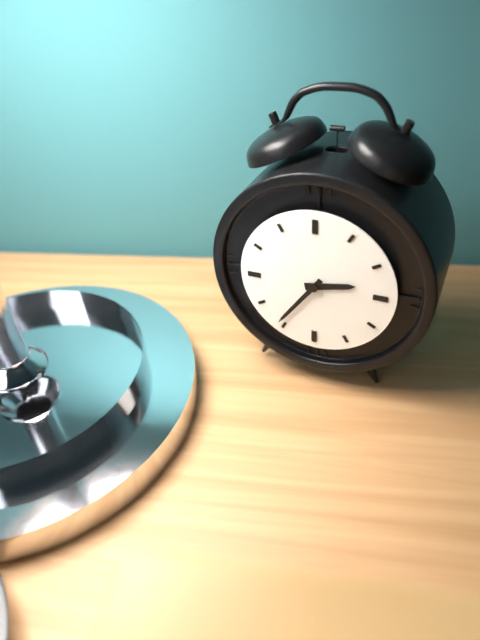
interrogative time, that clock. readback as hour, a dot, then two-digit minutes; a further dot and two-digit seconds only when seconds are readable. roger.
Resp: 2.36
